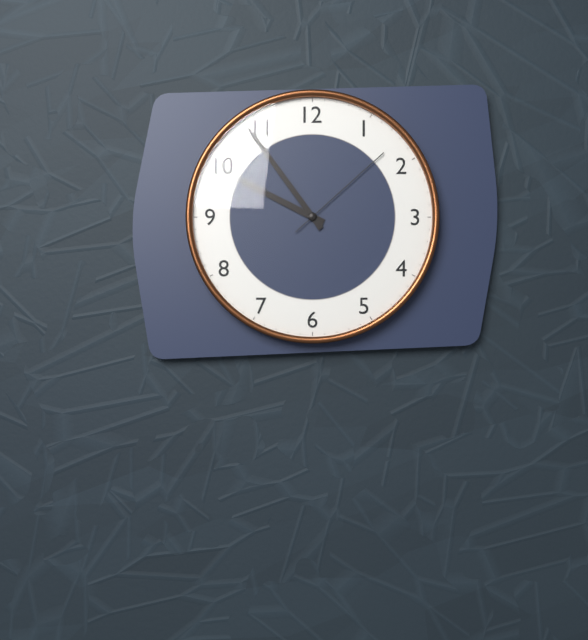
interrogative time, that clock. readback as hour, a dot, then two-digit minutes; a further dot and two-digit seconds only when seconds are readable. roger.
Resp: 9.54.08
